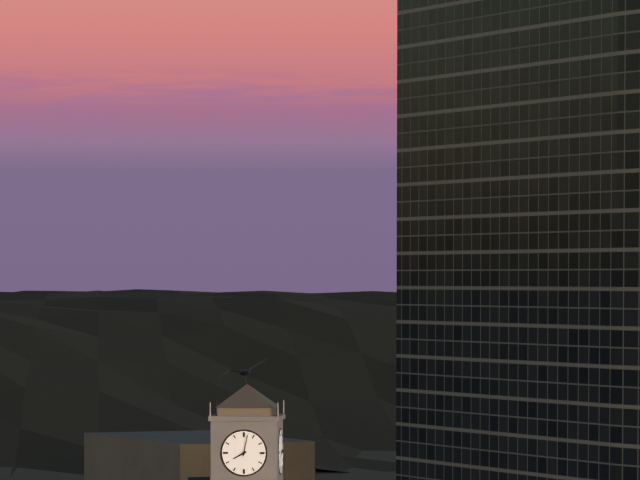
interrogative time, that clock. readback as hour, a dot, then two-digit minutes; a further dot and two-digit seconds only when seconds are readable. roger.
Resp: 8.02
